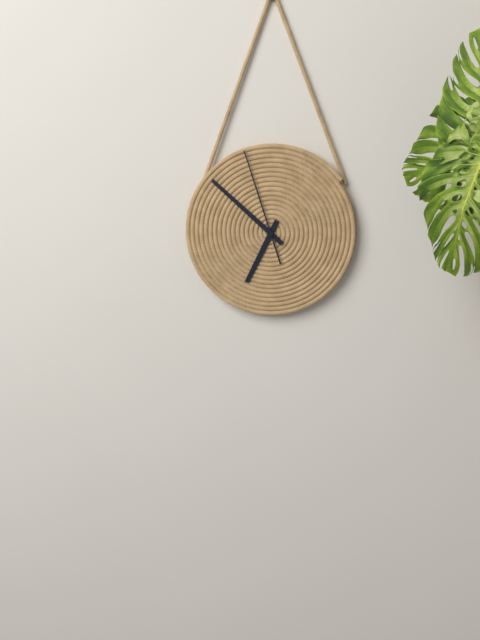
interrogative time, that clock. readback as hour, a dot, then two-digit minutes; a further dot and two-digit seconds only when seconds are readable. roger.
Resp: 6.52.57
